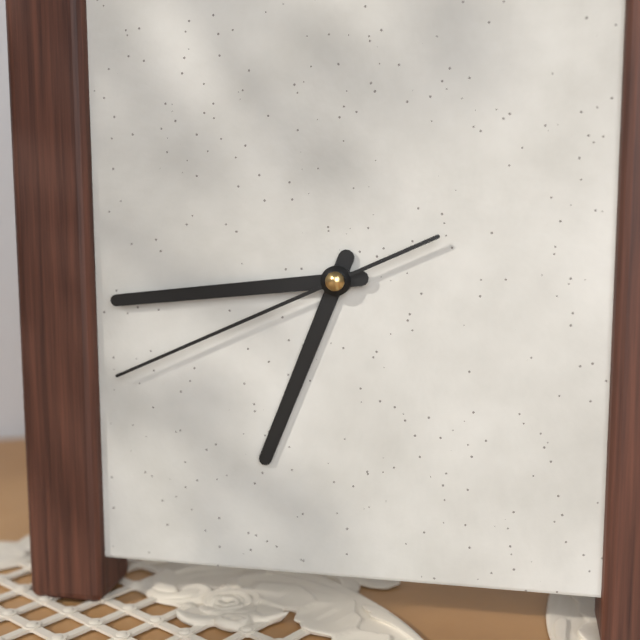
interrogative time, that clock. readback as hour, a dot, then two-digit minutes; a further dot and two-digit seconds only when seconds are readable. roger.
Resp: 6.44.41
